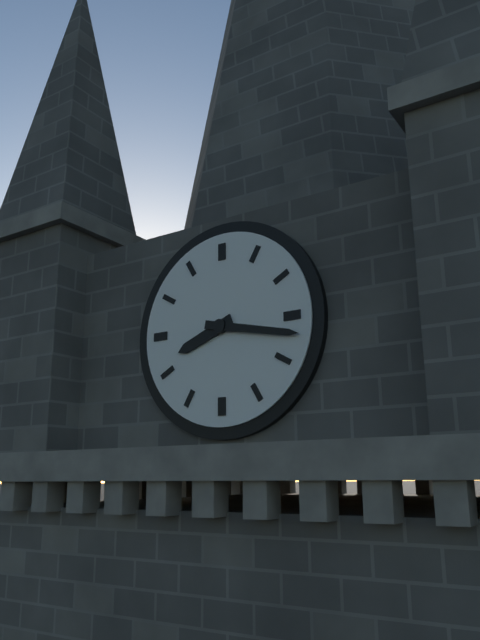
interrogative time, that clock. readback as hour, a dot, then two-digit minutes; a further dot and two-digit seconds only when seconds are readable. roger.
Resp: 8.17
